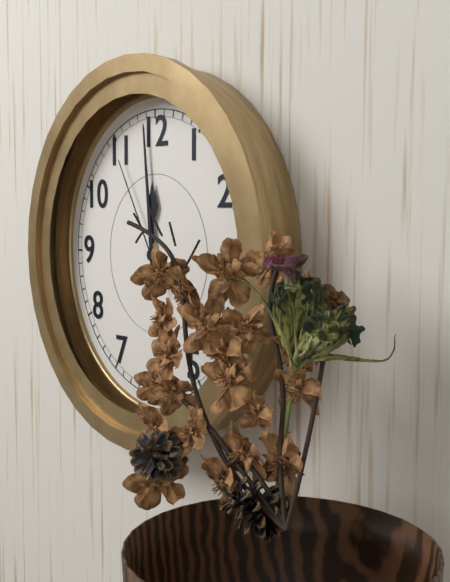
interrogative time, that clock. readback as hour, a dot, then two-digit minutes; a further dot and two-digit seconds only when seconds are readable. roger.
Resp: 11.59.55
